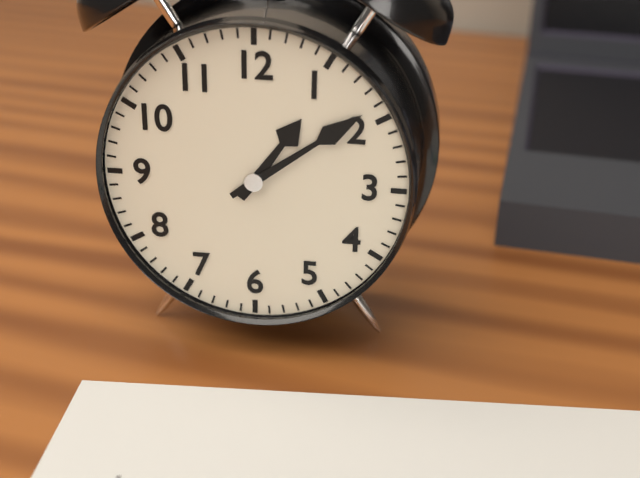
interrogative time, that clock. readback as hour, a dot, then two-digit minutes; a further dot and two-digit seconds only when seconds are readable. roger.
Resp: 1.09
